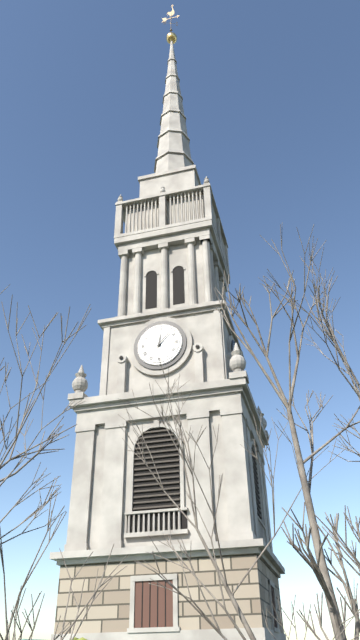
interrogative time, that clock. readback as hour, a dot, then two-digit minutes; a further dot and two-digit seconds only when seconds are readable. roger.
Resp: 12.07
